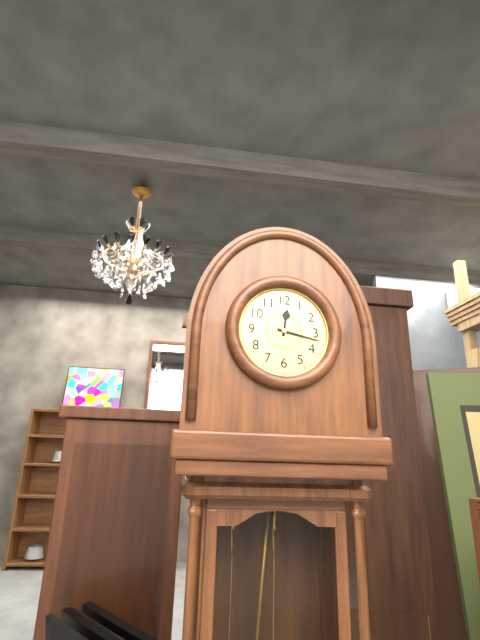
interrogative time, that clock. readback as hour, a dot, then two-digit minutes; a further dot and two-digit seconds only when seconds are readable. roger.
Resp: 12.17
